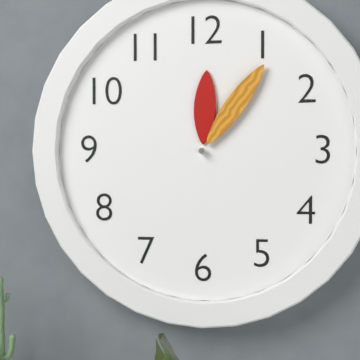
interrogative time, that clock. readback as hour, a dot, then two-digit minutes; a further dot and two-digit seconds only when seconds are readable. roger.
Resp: 12.06
